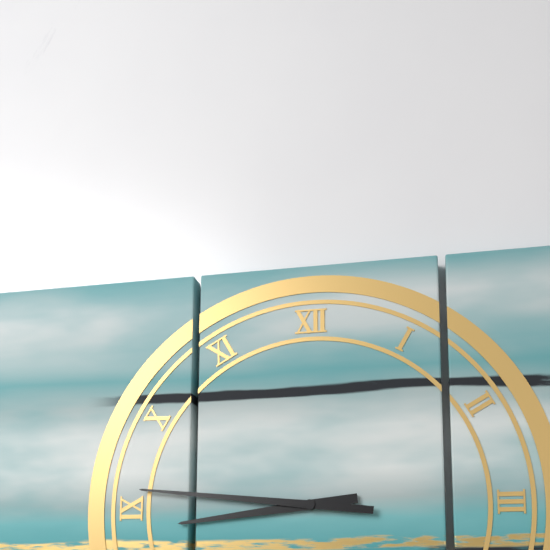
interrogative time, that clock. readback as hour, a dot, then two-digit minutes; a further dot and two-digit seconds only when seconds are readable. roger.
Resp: 8.46
